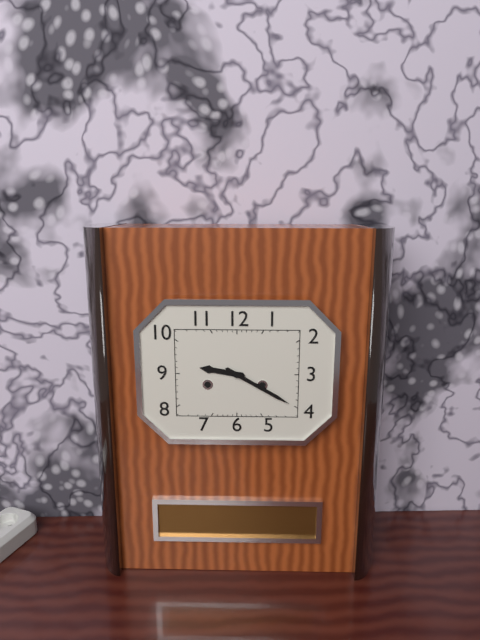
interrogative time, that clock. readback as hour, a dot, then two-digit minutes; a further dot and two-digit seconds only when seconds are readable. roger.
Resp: 9.20
